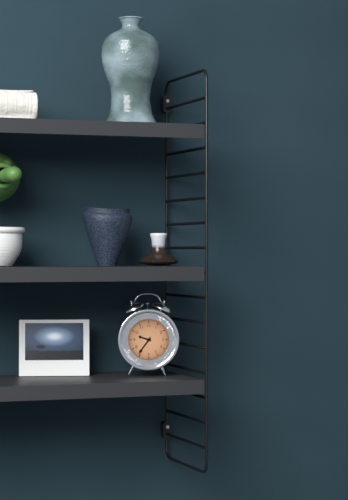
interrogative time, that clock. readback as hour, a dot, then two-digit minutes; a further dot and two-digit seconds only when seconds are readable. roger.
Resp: 9.36
